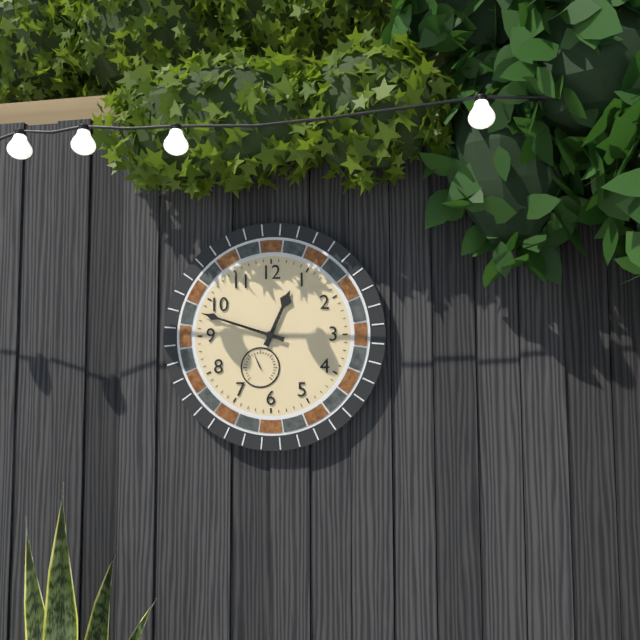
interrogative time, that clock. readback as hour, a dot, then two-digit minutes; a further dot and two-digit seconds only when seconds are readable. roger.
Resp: 12.48
